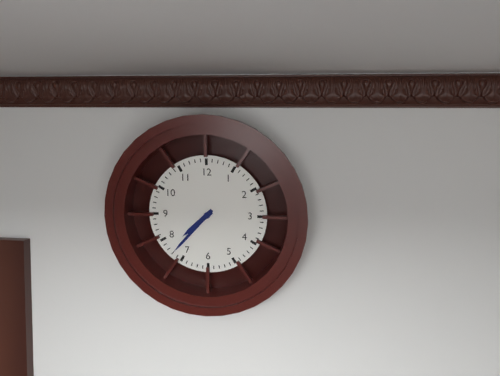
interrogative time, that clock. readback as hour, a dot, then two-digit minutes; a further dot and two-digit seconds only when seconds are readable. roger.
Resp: 7.37
